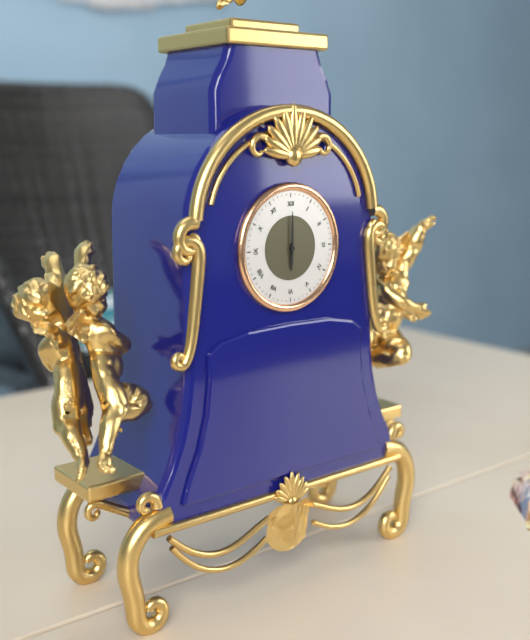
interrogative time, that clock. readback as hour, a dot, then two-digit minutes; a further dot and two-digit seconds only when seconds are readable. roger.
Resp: 6.00
